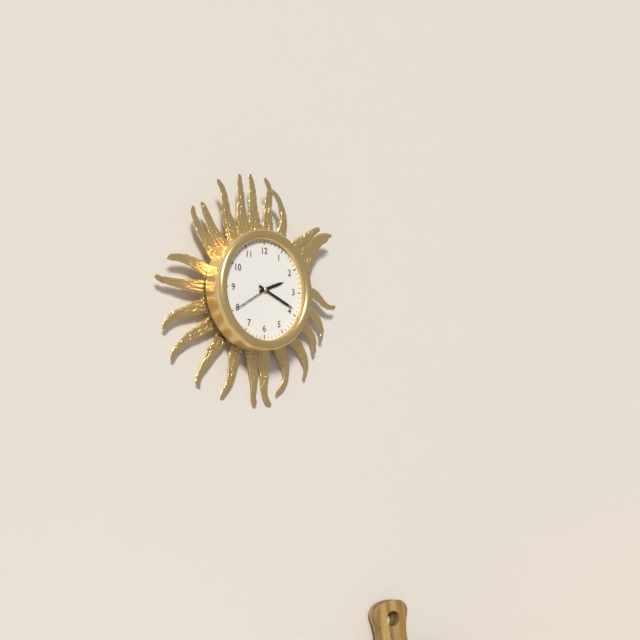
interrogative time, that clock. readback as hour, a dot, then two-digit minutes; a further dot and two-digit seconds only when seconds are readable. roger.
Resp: 2.19
